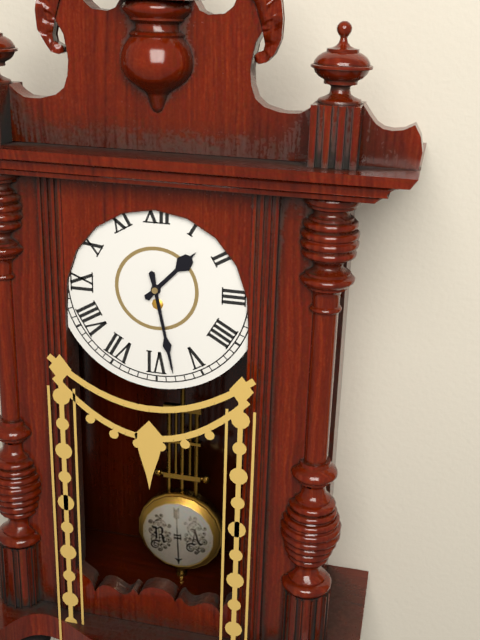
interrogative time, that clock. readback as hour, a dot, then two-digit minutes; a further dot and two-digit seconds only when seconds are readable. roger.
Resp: 1.28
